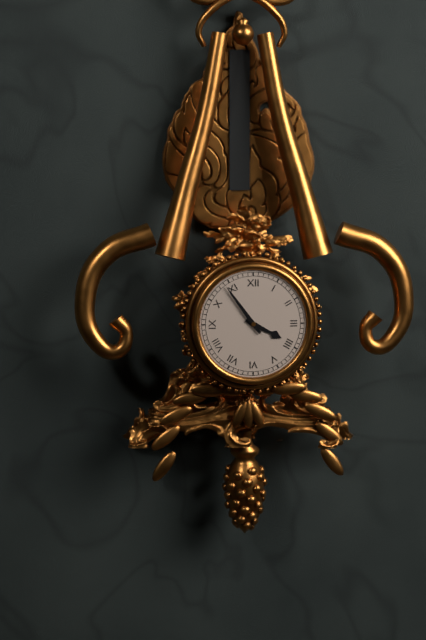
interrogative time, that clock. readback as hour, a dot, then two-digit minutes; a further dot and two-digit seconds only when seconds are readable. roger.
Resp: 3.54
